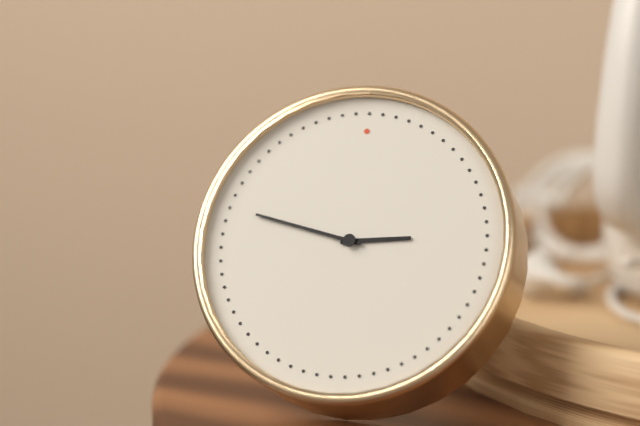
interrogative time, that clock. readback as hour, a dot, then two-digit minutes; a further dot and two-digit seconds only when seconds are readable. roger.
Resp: 2.47
